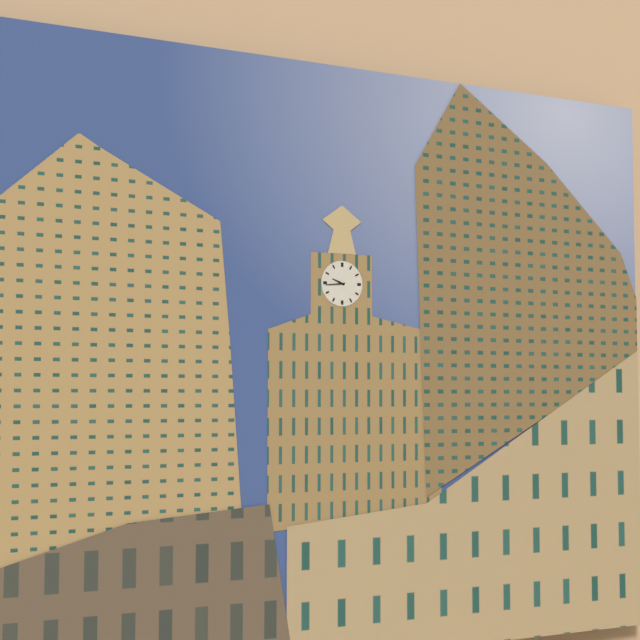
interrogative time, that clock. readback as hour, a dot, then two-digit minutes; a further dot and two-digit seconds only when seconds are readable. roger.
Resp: 9.44
